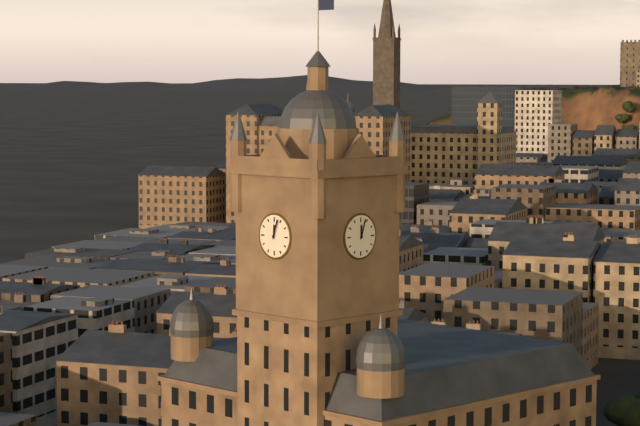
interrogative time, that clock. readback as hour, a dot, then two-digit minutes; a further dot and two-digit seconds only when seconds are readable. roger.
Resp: 12.03
